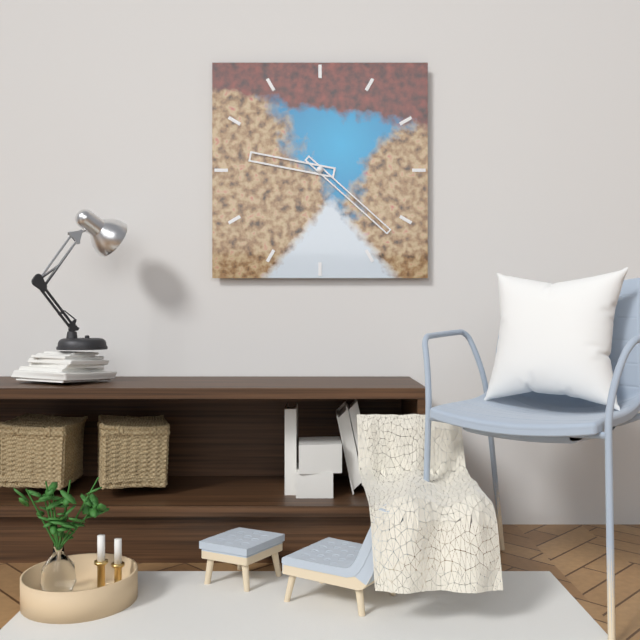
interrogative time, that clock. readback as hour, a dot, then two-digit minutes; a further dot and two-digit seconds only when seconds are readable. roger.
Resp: 9.22
